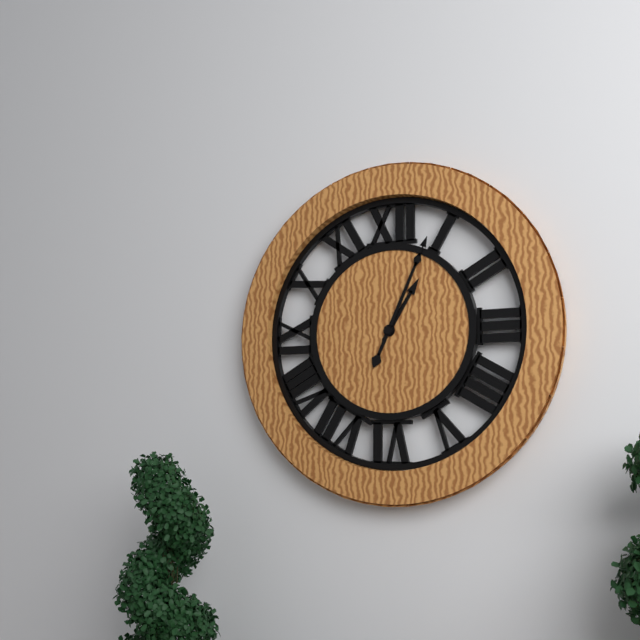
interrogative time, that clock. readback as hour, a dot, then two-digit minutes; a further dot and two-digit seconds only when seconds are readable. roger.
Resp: 1.04
